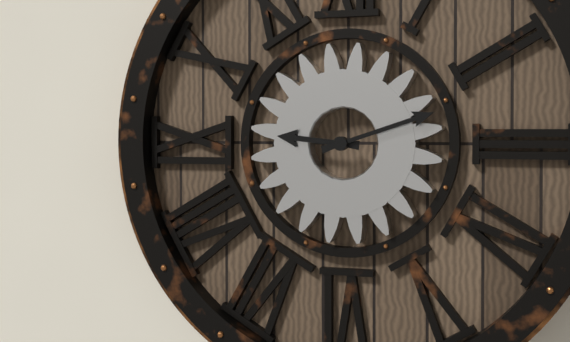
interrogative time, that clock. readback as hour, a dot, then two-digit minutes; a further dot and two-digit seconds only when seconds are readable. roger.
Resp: 9.12
